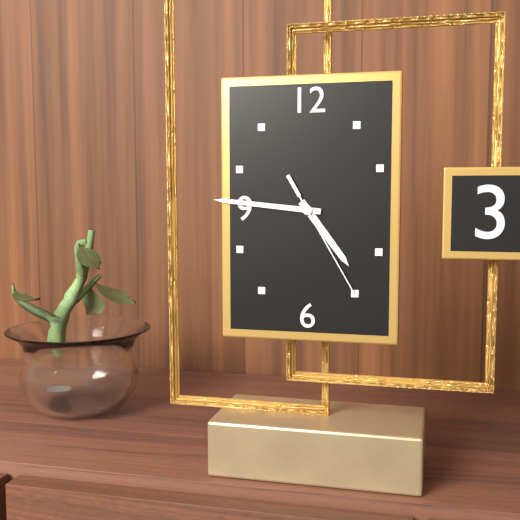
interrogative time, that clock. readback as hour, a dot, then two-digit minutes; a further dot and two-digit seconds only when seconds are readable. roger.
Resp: 4.46.25
